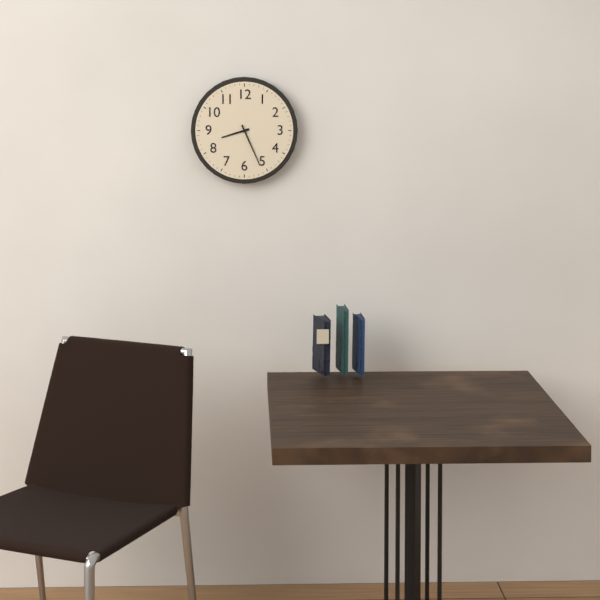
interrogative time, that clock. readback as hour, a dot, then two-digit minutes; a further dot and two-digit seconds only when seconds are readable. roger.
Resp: 8.26
